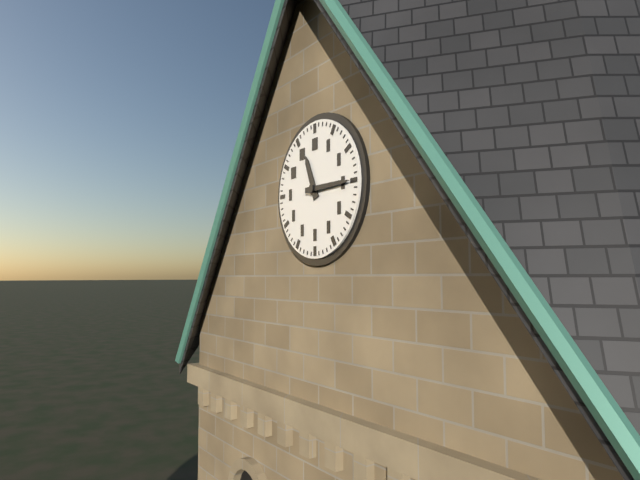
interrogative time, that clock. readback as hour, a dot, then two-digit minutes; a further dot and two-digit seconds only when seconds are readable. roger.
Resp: 11.15
